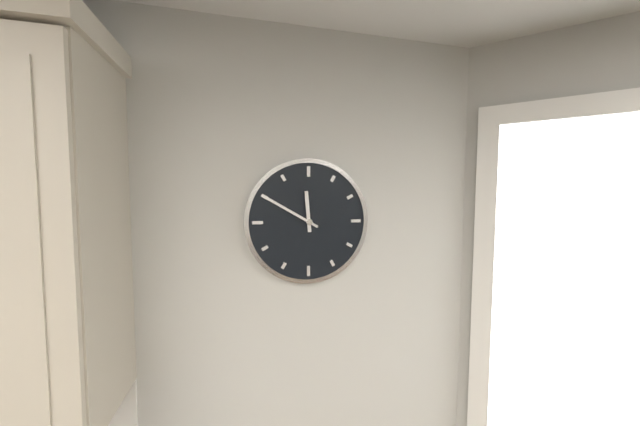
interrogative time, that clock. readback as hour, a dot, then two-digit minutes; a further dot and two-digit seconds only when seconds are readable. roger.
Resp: 11.50
